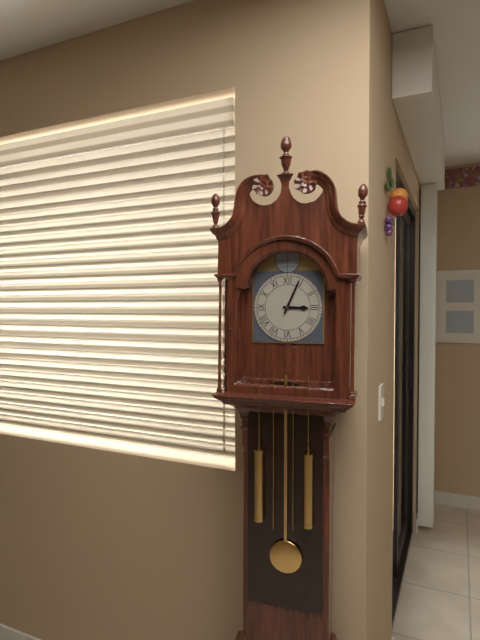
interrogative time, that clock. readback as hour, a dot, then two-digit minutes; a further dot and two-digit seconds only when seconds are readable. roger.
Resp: 3.04
